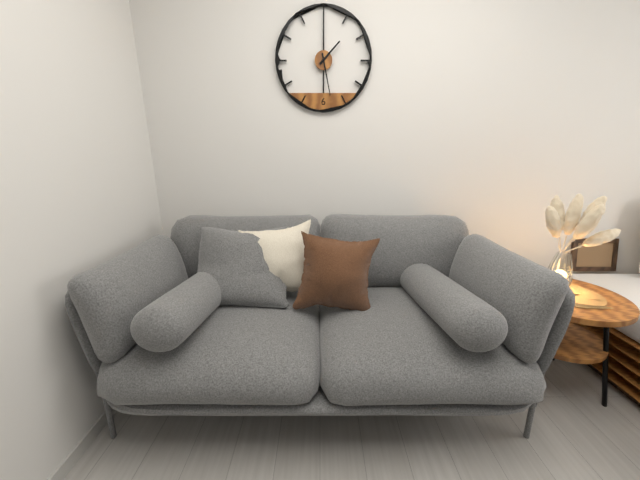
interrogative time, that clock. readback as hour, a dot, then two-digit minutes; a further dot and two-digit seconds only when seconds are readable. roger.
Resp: 1.28
